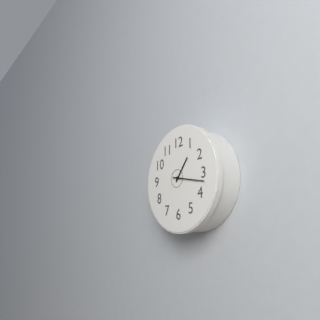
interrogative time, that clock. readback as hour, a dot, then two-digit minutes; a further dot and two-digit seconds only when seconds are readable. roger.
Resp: 1.17
